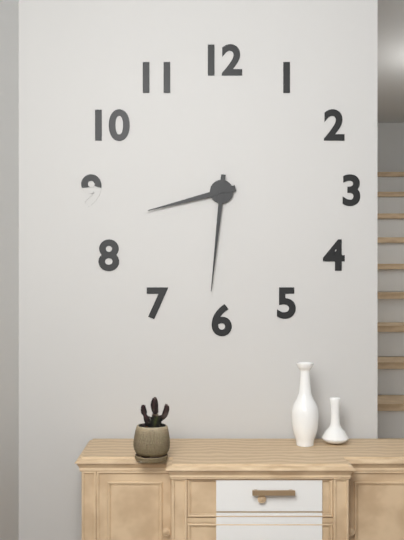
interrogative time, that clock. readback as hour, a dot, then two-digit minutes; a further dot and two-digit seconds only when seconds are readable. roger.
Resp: 8.31
